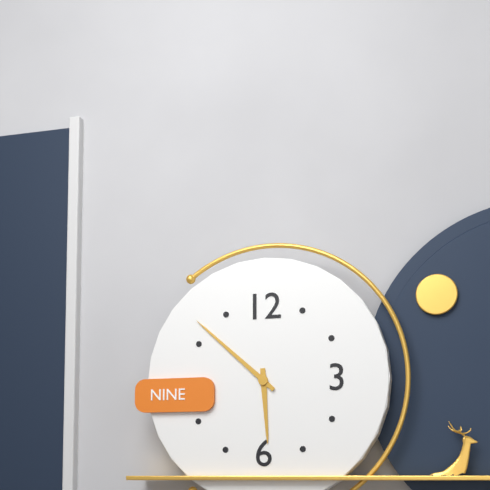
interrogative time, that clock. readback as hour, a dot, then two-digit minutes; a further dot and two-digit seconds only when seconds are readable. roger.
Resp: 5.52
